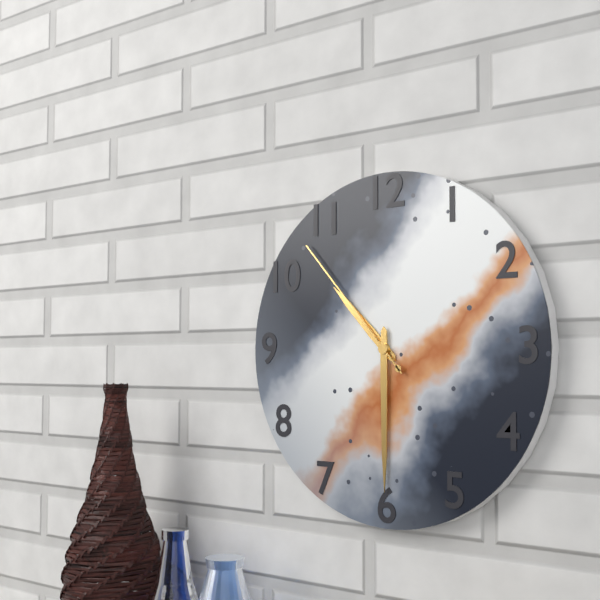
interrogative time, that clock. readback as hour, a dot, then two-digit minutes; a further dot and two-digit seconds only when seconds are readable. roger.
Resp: 10.30.53
